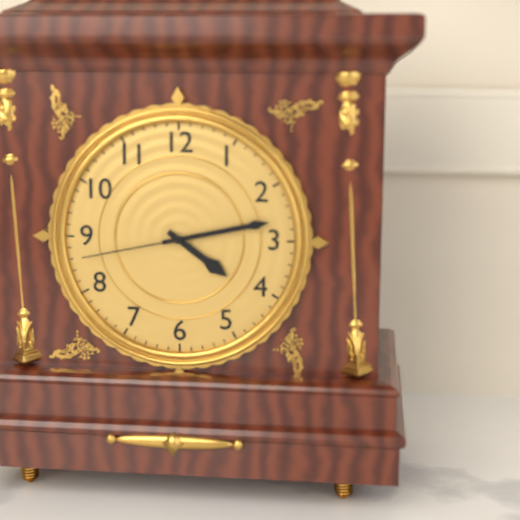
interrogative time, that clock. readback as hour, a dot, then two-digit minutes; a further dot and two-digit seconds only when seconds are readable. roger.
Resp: 4.13.43
